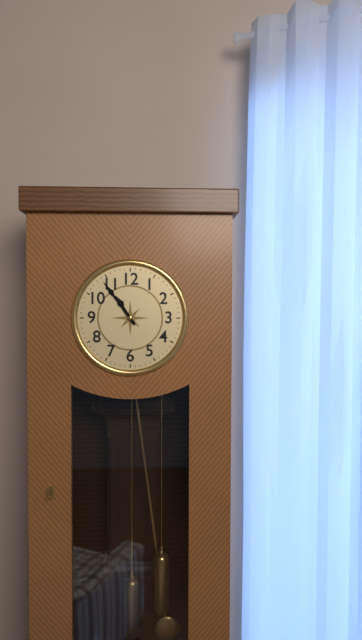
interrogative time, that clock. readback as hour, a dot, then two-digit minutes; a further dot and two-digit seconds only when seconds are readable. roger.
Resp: 10.54
